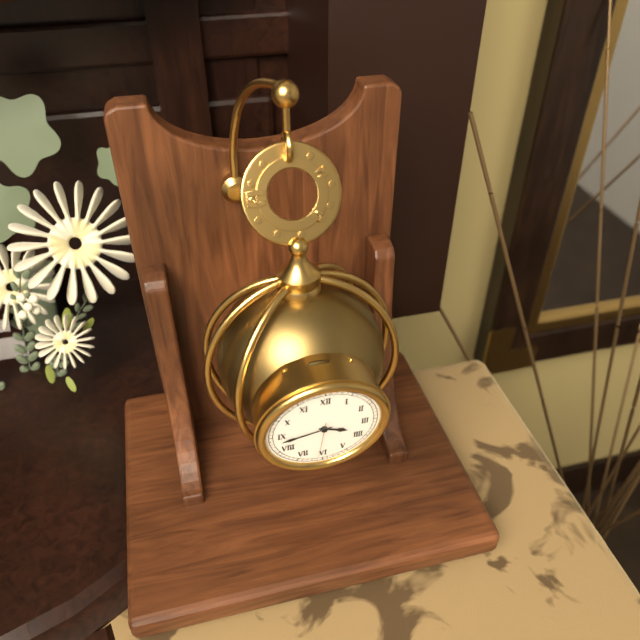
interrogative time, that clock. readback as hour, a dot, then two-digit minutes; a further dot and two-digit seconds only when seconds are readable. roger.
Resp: 3.43
